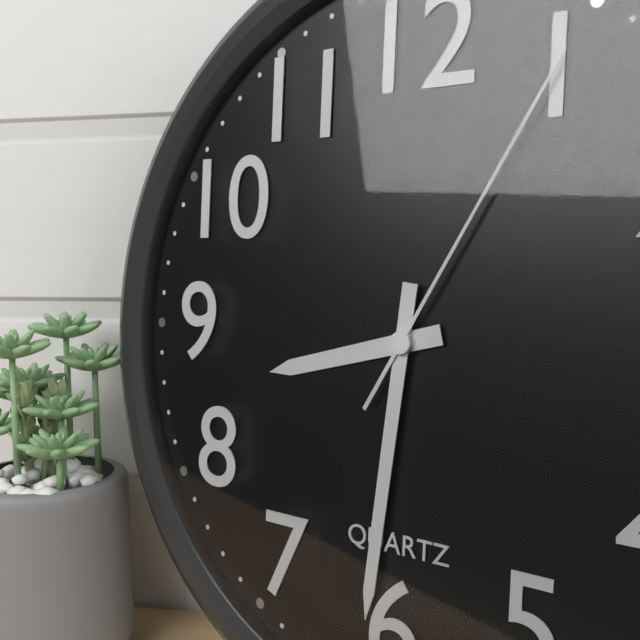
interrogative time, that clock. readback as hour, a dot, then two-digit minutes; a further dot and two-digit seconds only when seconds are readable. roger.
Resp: 8.31.05
